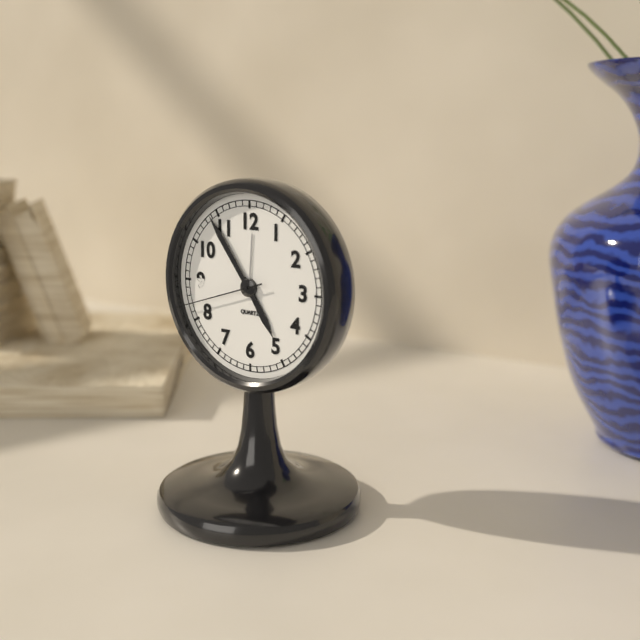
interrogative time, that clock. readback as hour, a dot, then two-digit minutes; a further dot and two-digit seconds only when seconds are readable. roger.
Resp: 4.54.42
